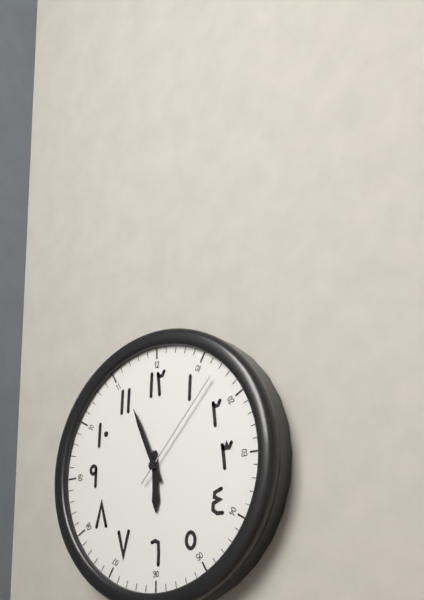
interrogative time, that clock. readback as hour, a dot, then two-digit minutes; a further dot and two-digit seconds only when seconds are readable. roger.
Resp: 5.56.07
